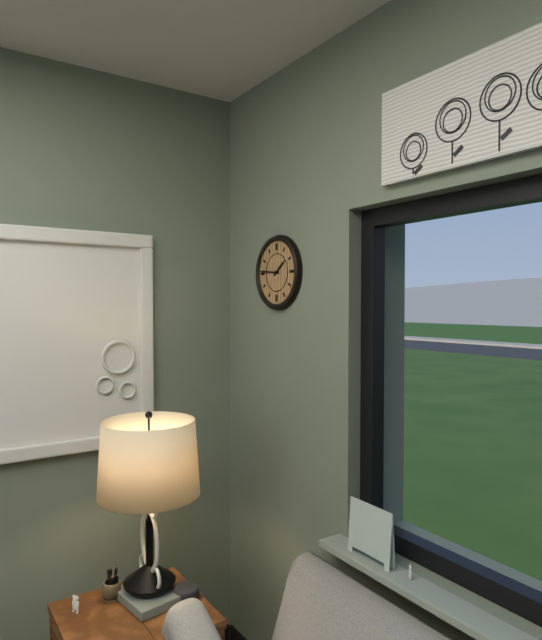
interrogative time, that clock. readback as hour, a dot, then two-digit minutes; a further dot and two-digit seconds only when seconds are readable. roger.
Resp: 1.46
